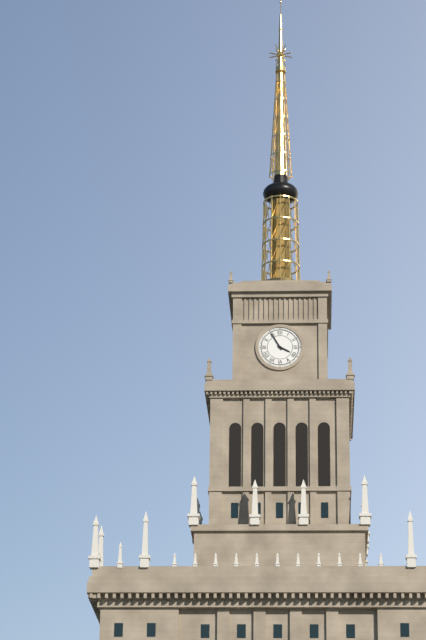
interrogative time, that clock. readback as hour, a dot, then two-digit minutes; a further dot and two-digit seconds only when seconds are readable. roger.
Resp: 3.55
